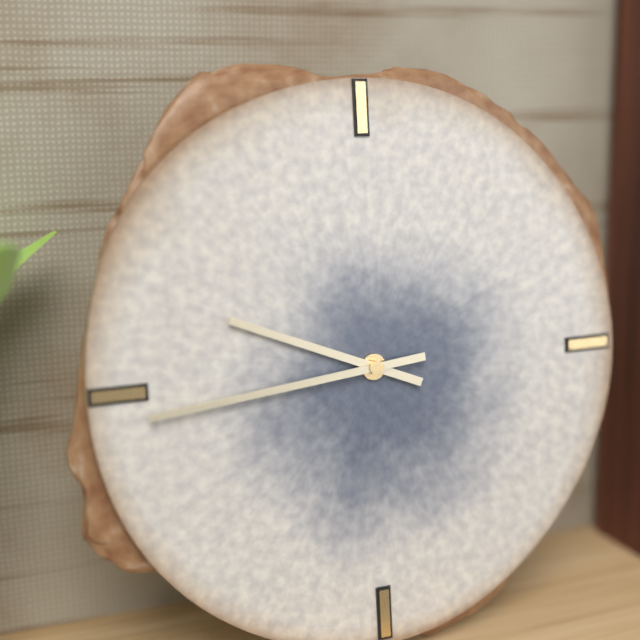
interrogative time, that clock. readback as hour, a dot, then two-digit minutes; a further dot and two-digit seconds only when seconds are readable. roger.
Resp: 9.44
